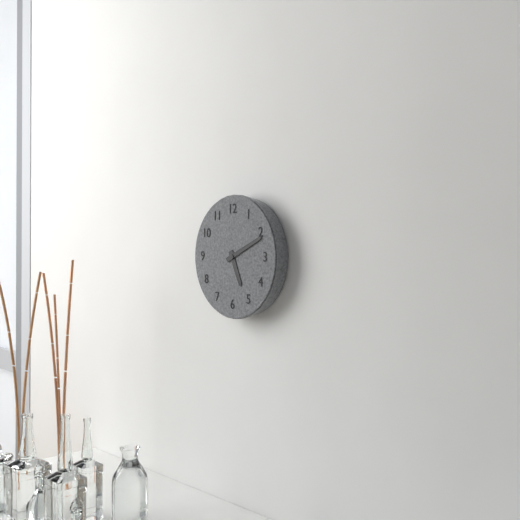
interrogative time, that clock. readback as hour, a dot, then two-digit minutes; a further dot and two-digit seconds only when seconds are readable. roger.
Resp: 5.11
